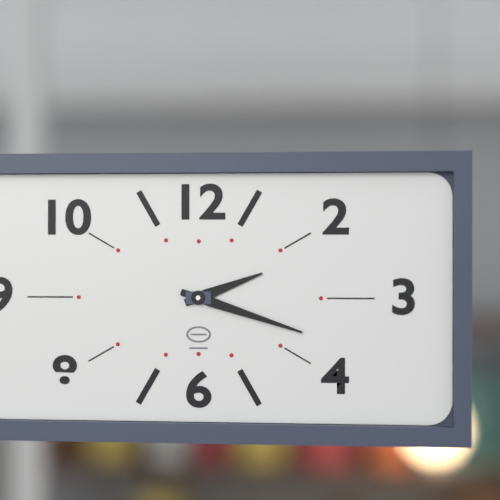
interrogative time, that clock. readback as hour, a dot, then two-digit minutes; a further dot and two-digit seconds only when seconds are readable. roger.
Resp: 2.18
